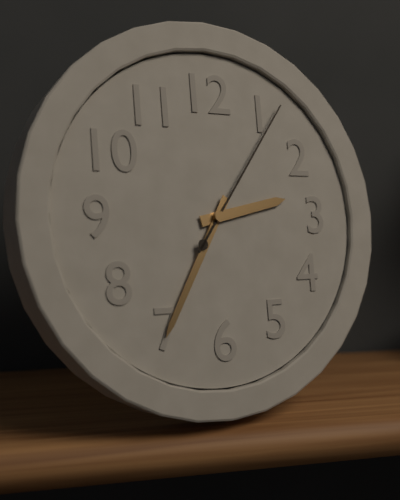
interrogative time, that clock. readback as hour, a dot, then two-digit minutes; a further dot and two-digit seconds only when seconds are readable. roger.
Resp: 2.35.06
